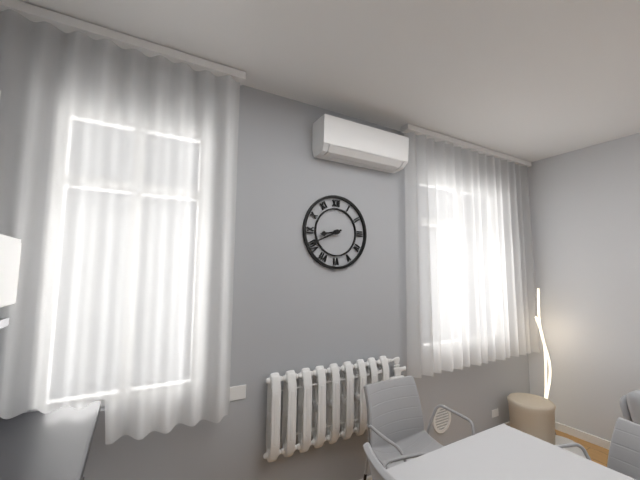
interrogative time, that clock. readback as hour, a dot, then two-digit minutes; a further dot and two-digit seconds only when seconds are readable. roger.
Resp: 8.41
